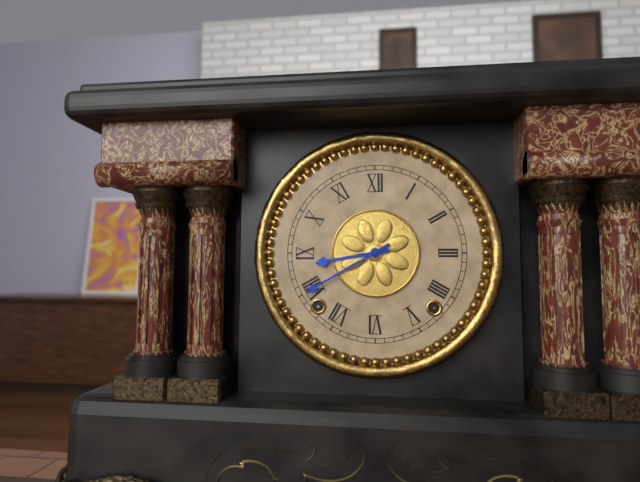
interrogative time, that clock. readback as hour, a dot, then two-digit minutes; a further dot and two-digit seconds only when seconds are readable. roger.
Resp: 8.40
